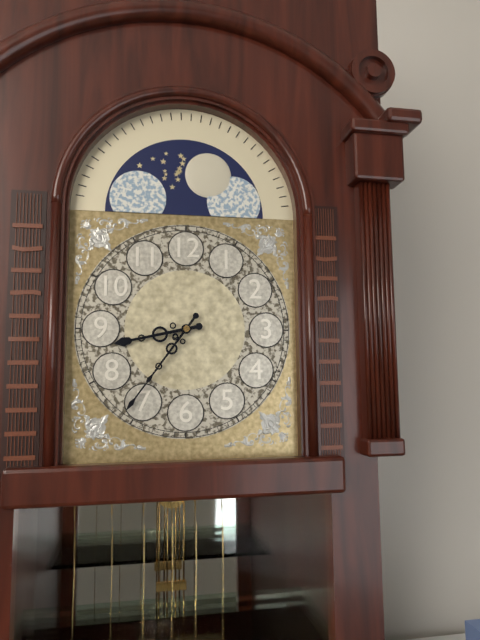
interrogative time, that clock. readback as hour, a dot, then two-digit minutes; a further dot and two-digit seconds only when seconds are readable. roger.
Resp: 8.36
